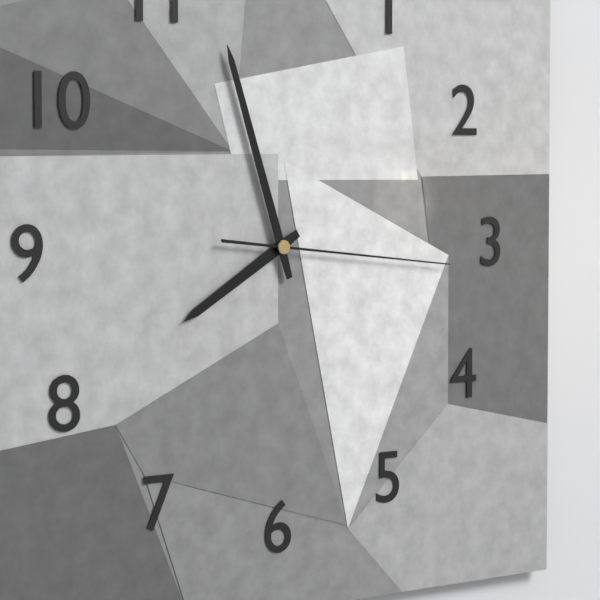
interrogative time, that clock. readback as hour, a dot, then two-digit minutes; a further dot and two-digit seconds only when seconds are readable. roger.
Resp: 7.57.16
